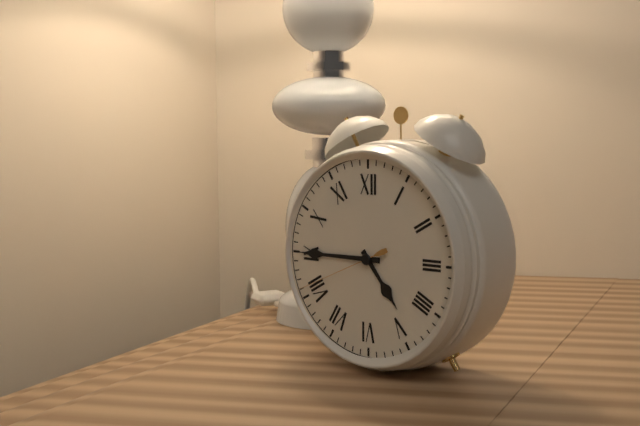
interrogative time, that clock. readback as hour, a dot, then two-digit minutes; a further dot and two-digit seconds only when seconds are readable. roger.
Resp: 4.45.41
